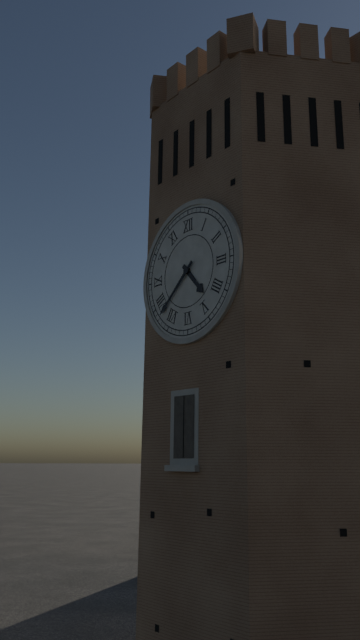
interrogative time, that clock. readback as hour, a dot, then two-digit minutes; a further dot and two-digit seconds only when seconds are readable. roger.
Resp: 4.38
